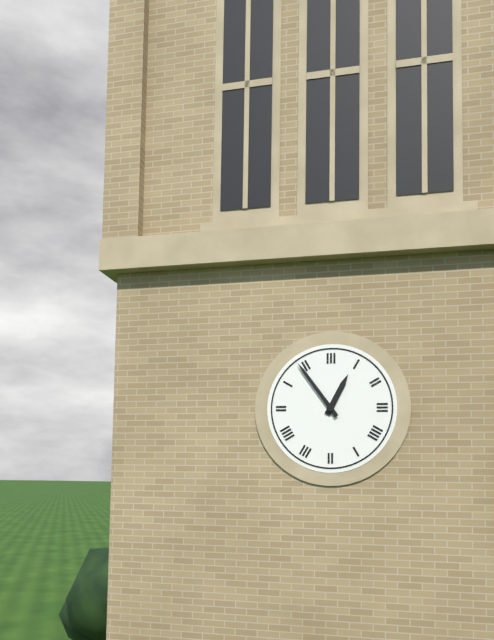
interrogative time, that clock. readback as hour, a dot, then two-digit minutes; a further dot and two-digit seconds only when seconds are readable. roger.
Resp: 12.54
